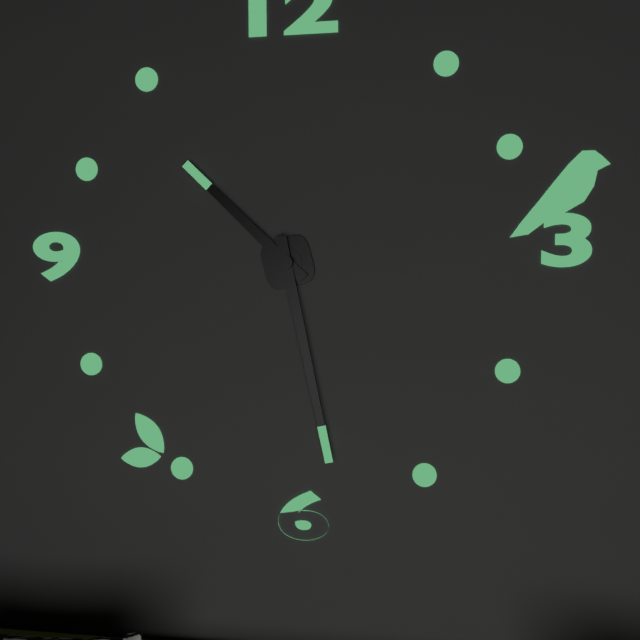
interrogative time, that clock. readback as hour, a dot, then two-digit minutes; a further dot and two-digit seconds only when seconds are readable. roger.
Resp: 10.28
